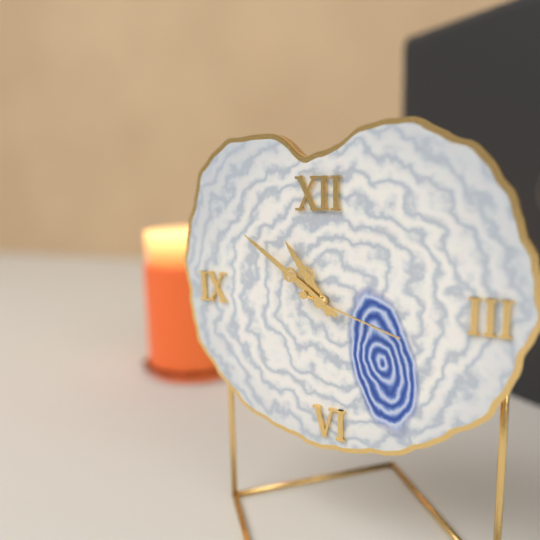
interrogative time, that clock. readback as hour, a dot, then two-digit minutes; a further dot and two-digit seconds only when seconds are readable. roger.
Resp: 10.51.18
